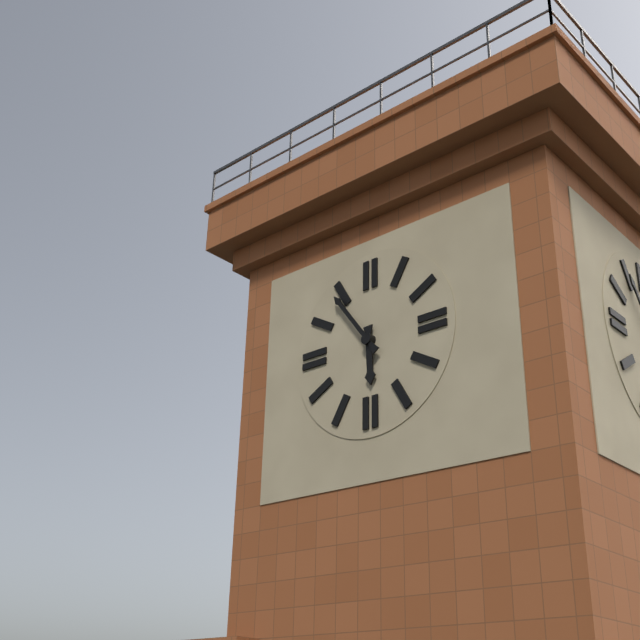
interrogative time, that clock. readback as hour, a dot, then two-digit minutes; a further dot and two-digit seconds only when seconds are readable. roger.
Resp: 5.54
